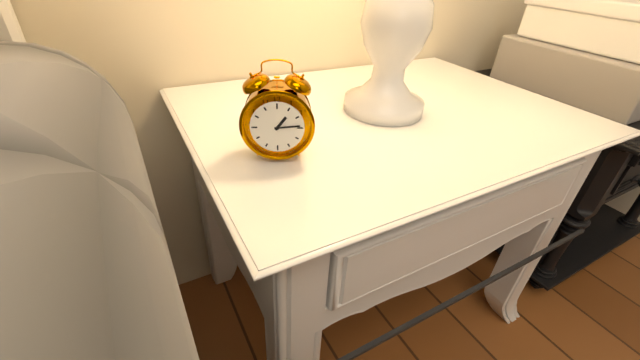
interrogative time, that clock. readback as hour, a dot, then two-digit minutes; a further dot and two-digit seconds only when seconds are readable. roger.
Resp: 1.14
